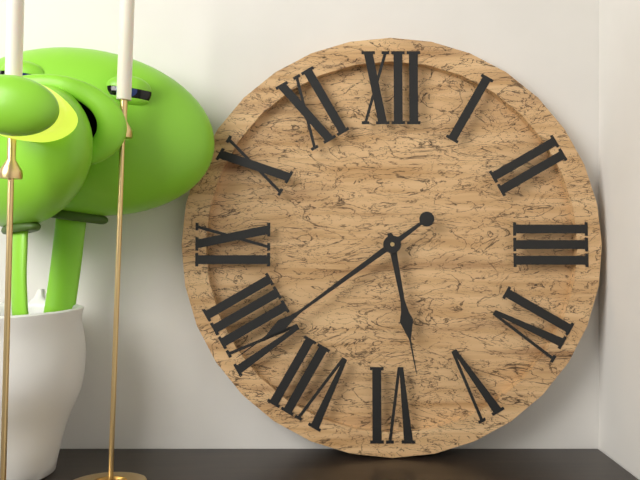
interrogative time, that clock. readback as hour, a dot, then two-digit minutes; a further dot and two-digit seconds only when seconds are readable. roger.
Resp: 5.39
